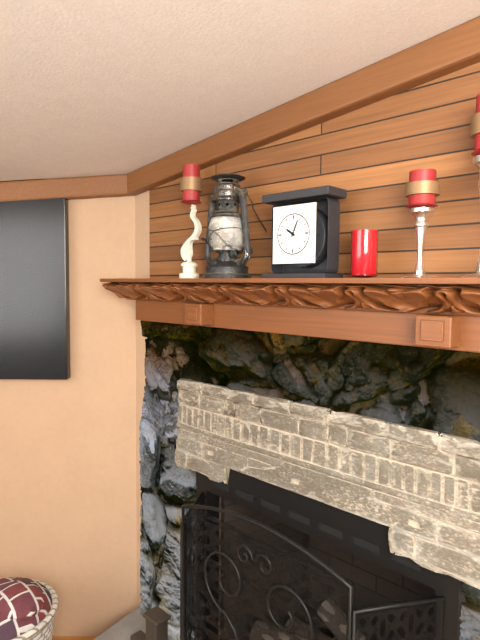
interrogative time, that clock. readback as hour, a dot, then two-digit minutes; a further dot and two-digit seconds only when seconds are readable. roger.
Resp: 10.04
